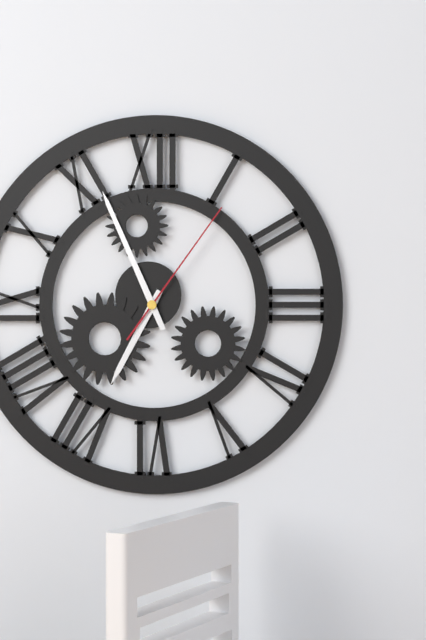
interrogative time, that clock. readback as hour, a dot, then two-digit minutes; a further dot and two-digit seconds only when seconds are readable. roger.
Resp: 6.56.06
